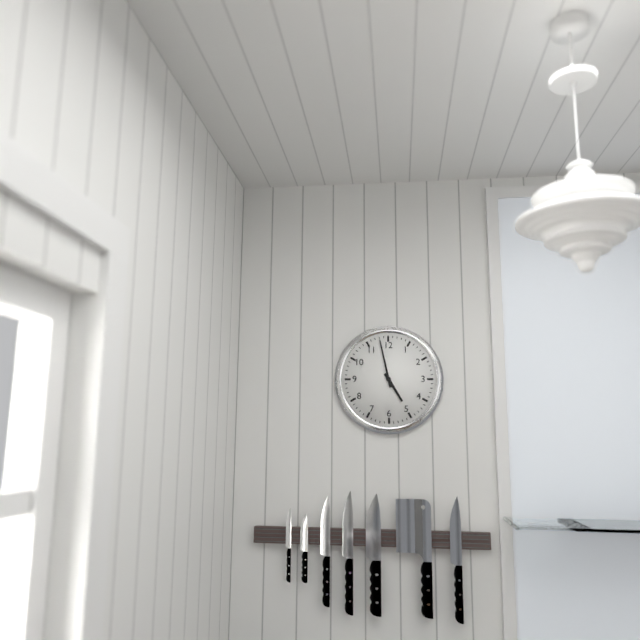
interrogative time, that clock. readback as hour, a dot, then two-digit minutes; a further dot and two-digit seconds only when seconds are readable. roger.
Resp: 4.58
